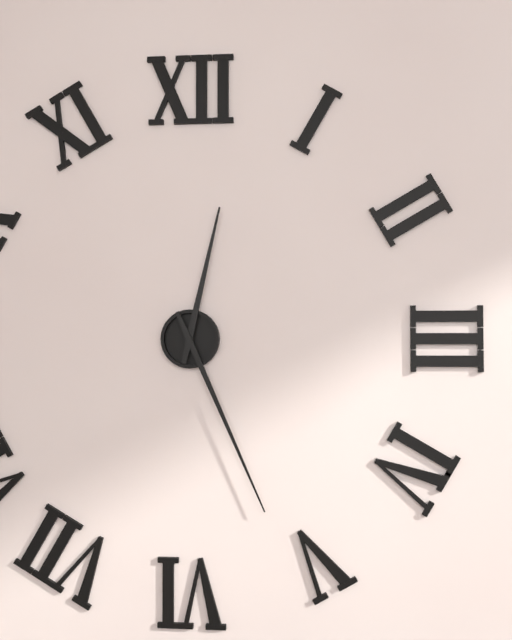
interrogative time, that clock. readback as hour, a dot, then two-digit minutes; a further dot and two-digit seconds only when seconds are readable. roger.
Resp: 12.26
